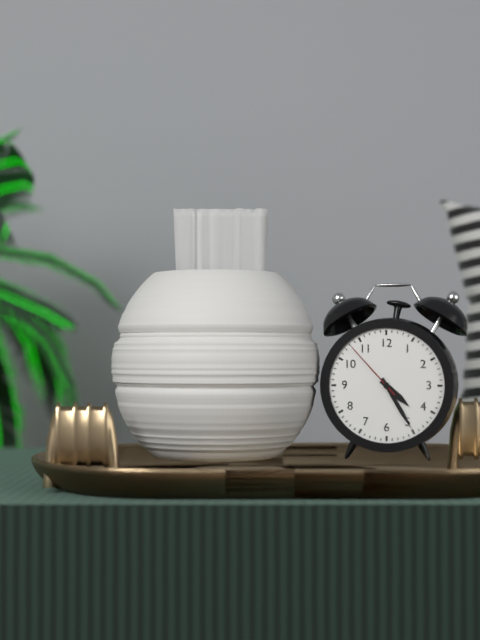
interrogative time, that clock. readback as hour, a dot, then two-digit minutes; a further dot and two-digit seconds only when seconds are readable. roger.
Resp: 4.25.53
